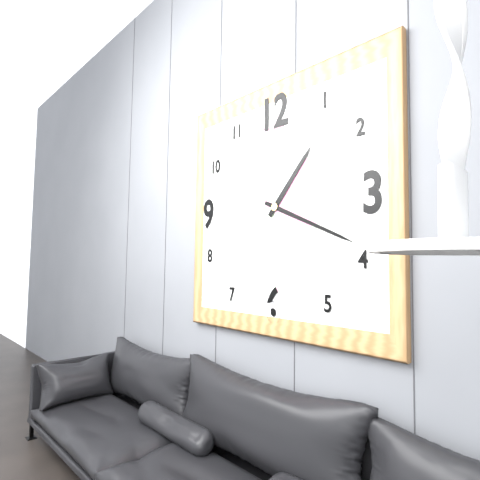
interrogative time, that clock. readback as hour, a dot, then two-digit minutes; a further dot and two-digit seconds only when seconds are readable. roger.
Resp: 1.19
